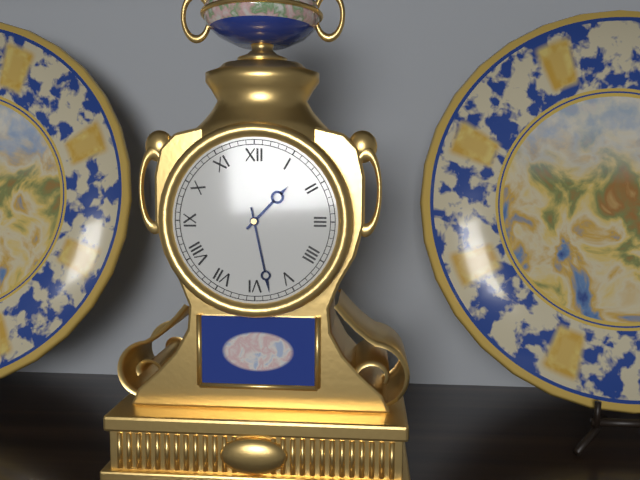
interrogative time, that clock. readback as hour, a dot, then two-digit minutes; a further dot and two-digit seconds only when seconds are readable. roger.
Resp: 1.28
